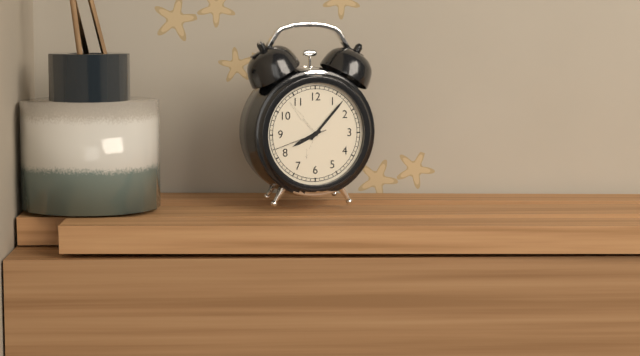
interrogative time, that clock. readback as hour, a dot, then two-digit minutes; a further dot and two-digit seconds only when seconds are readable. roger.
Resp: 8.07.42
